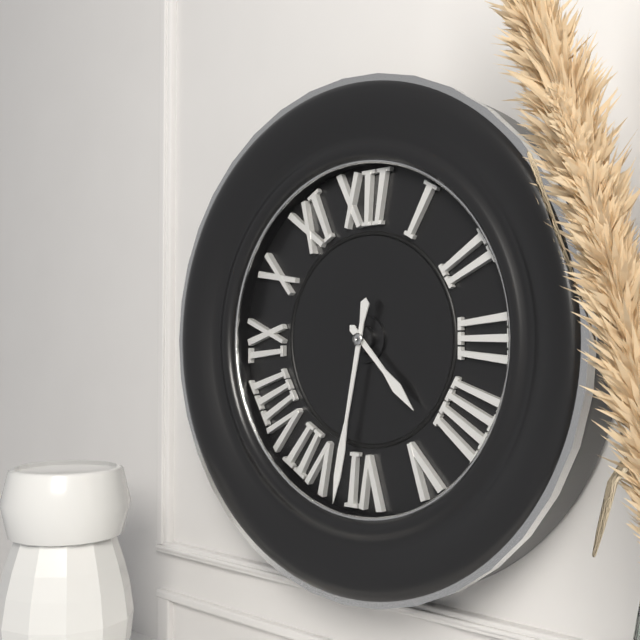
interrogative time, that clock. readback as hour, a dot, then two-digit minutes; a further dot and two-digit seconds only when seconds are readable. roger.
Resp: 4.32
